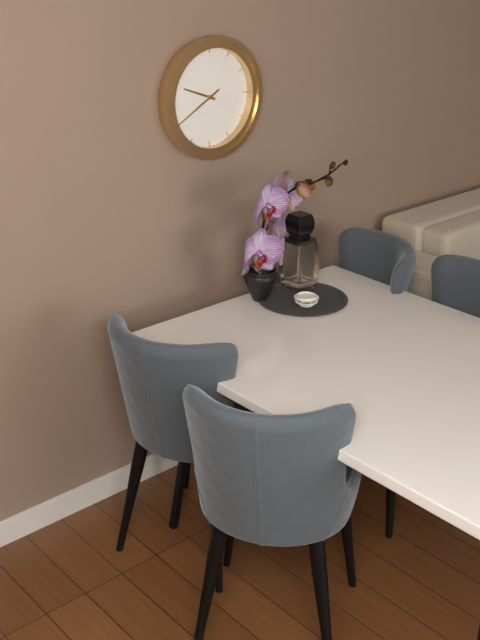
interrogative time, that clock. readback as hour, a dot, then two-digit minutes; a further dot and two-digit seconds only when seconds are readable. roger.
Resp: 9.40
